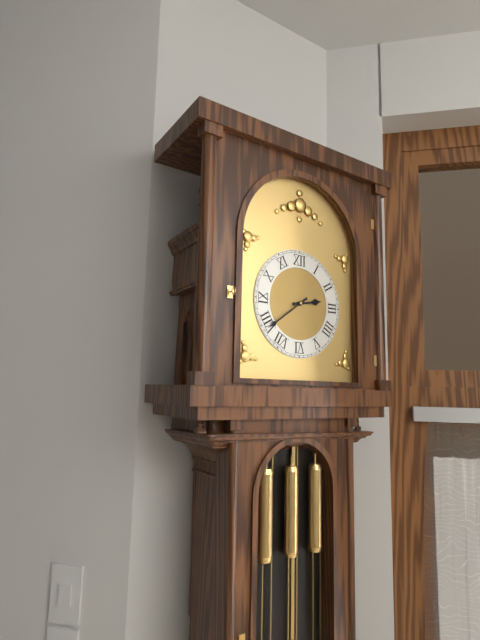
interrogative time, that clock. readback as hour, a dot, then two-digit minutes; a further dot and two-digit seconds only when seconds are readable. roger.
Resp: 2.39
